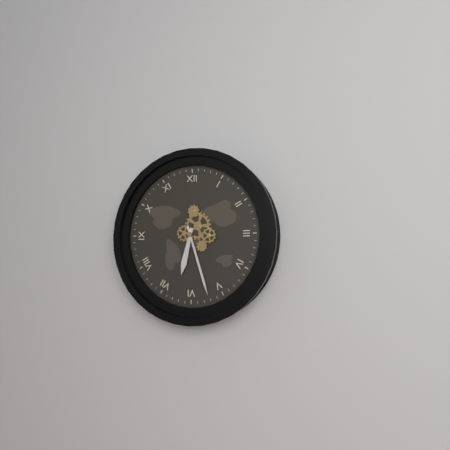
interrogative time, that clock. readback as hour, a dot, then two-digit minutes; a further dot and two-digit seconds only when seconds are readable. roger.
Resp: 6.27
